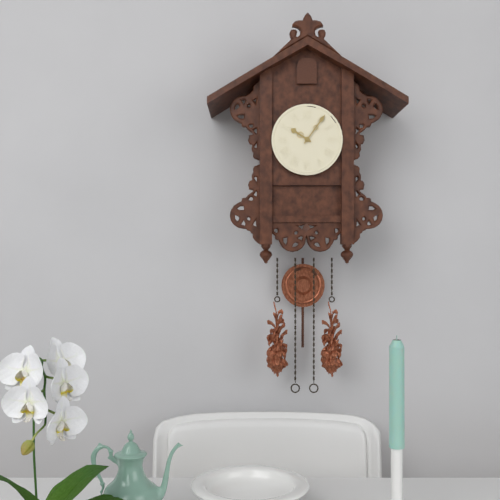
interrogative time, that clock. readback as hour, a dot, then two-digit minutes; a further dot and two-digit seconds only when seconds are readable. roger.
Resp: 10.06
